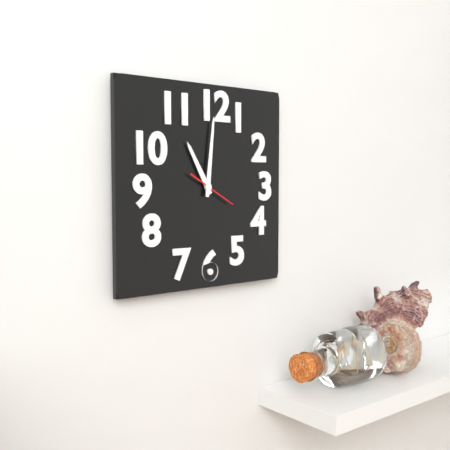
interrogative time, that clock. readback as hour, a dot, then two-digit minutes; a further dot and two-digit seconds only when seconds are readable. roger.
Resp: 11.01
